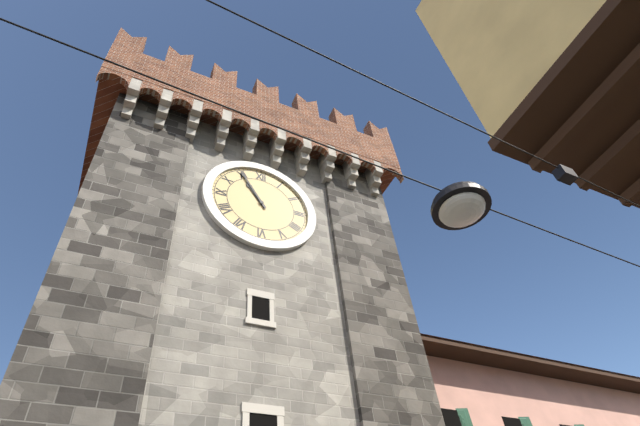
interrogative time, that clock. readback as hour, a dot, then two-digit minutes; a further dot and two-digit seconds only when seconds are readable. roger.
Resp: 10.55
